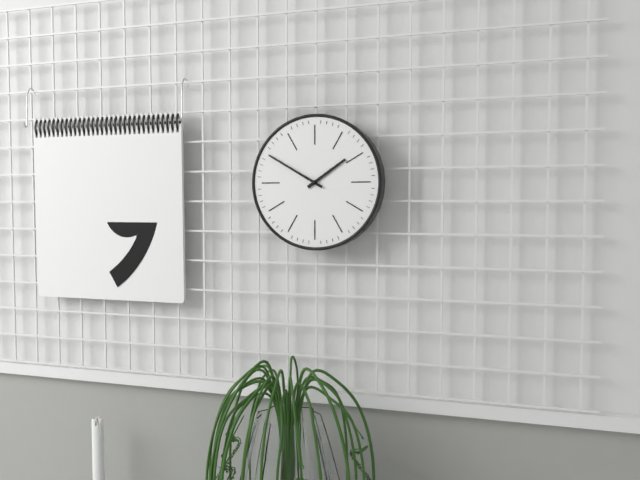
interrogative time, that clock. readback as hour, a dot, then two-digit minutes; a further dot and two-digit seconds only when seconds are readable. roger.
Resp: 1.50
